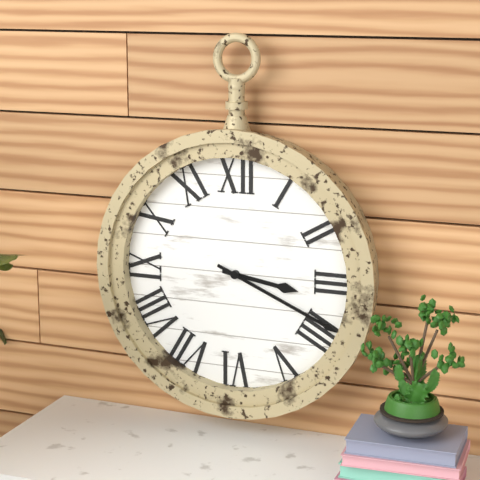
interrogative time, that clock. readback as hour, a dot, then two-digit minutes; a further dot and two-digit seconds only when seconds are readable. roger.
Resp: 3.19
